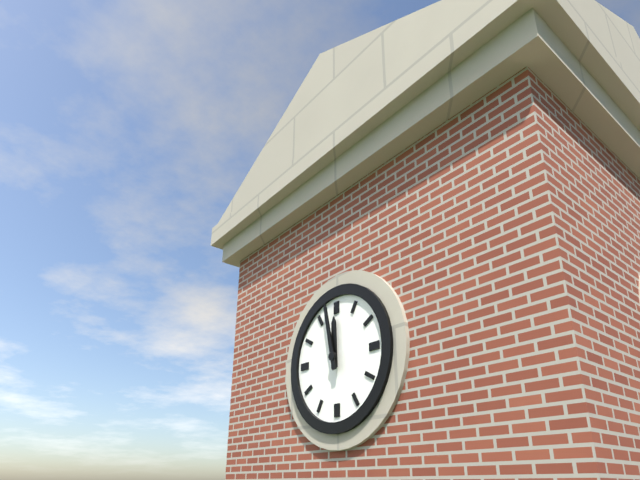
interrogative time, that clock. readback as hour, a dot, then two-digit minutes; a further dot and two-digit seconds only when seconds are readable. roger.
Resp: 11.58
